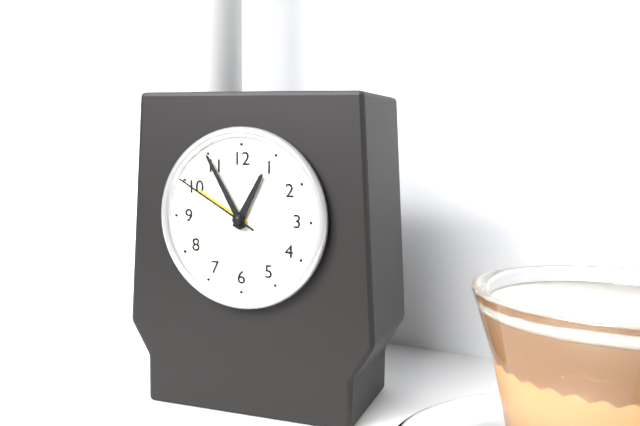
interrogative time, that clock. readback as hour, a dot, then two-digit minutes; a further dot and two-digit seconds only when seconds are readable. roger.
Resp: 12.55.50
